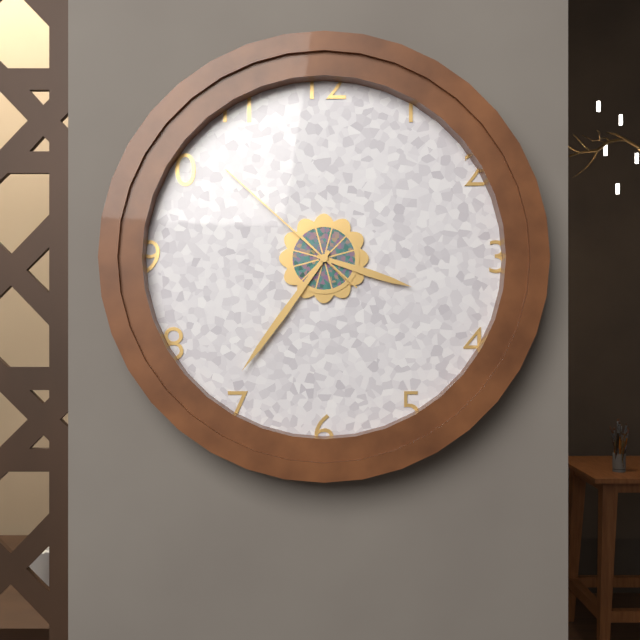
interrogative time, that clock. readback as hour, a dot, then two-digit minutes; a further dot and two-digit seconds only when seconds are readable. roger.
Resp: 3.36.52
